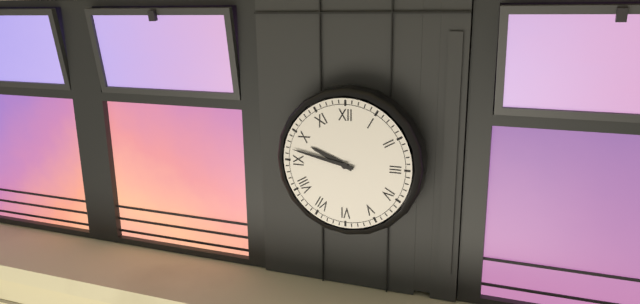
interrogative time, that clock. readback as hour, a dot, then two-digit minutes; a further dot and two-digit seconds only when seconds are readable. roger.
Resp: 9.47
